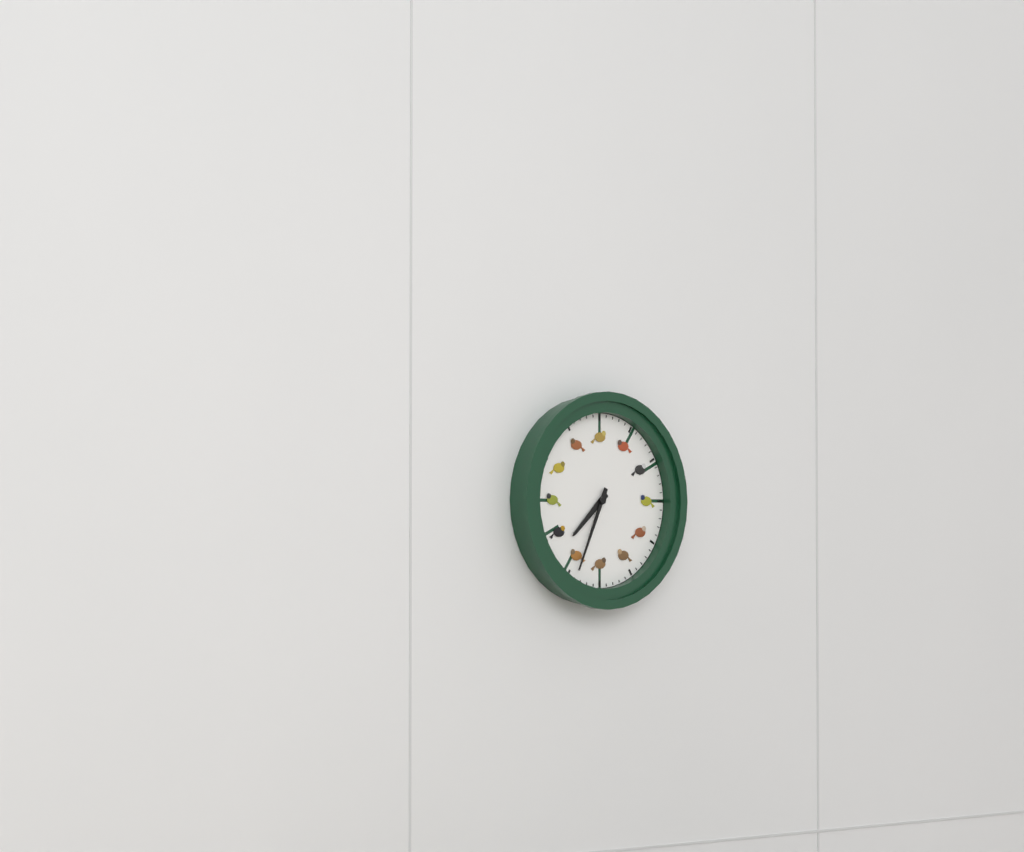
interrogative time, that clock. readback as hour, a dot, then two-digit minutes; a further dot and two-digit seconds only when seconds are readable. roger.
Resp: 7.34
